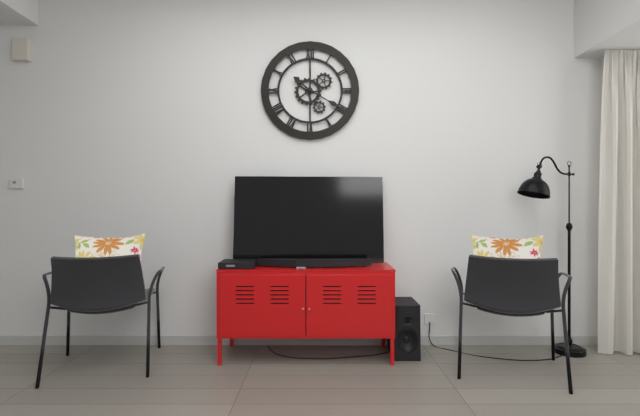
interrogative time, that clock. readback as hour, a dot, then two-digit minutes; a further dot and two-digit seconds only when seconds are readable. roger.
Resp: 10.20
